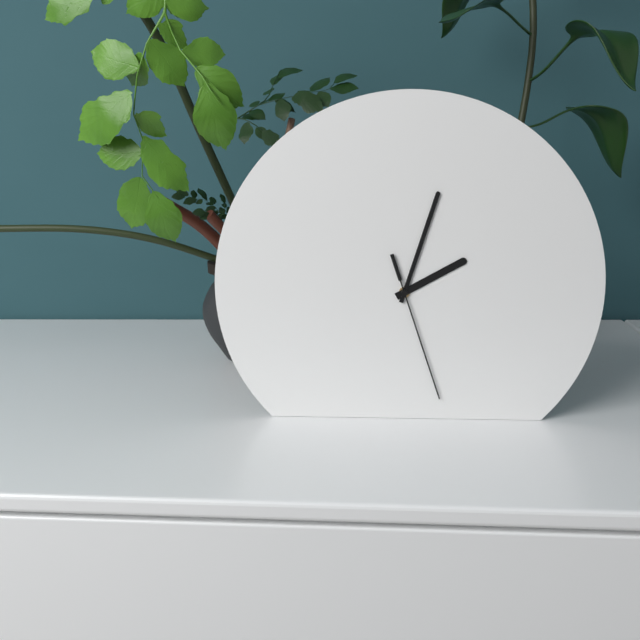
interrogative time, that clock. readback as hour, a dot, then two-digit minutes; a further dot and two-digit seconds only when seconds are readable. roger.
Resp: 2.03.27
